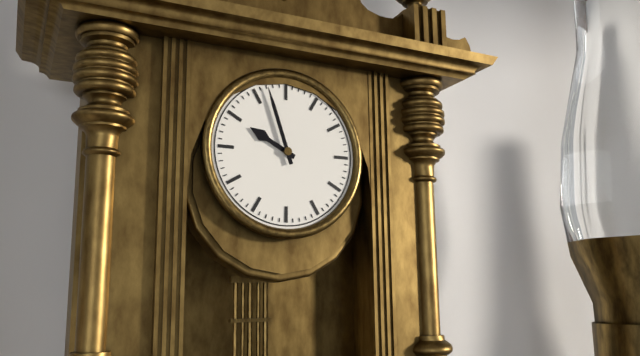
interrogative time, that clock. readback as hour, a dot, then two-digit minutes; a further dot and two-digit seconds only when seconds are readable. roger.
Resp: 9.57
